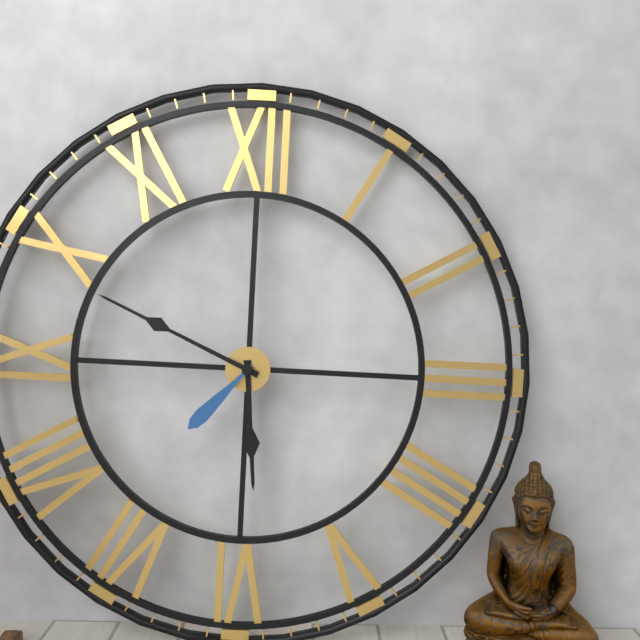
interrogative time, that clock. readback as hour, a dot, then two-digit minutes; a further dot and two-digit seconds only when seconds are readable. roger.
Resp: 5.49.37
